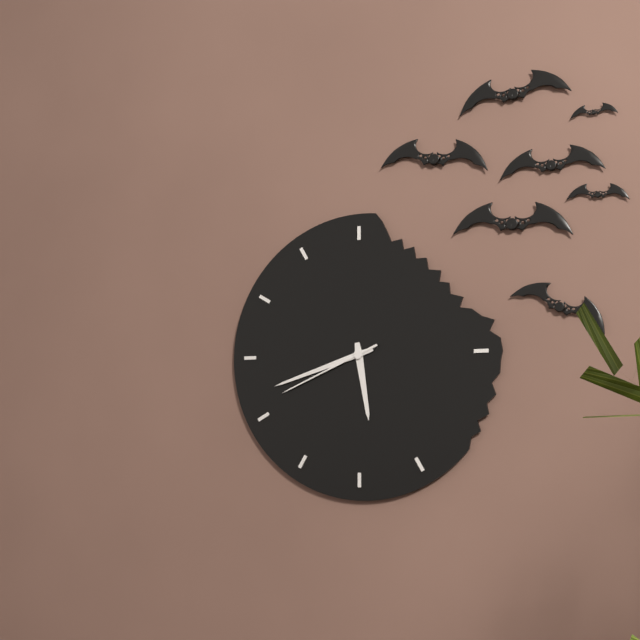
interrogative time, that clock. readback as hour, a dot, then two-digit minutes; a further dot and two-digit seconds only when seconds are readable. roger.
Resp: 5.42.41
